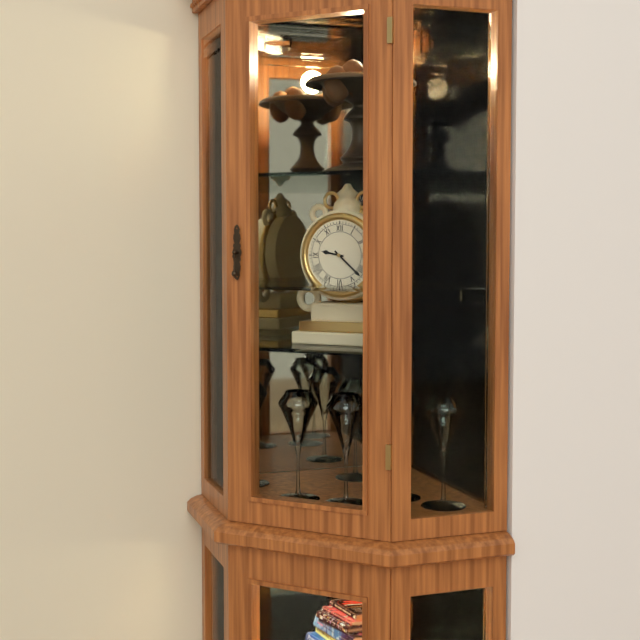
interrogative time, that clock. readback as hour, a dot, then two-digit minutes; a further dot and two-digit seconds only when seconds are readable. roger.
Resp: 9.22
